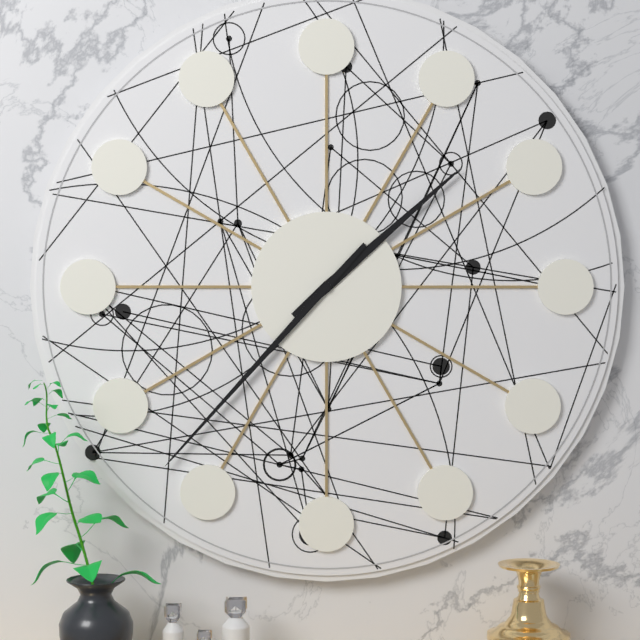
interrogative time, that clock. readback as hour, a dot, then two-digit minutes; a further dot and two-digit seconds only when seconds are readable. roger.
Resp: 1.37
